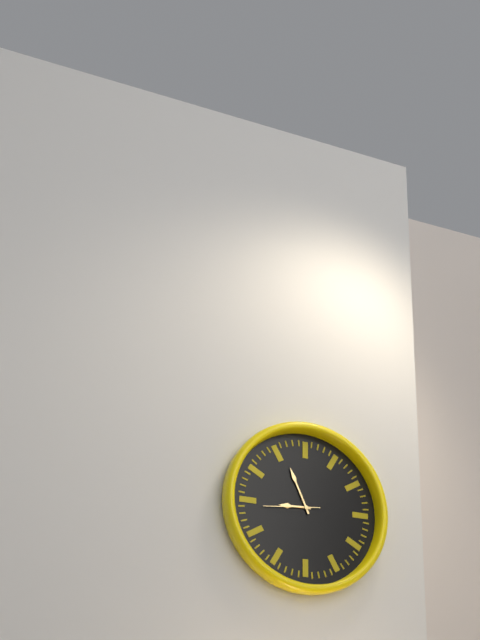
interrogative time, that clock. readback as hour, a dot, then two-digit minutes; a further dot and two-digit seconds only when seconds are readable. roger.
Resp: 8.56
